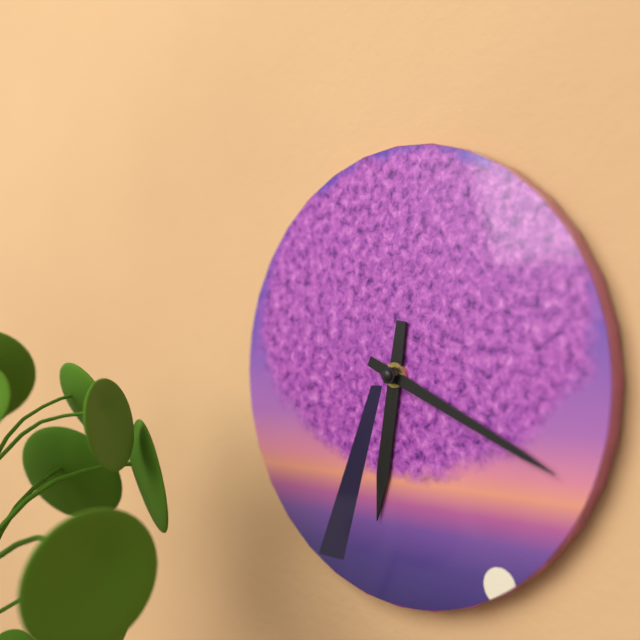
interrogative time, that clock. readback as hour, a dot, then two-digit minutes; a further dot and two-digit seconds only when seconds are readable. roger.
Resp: 6.19
